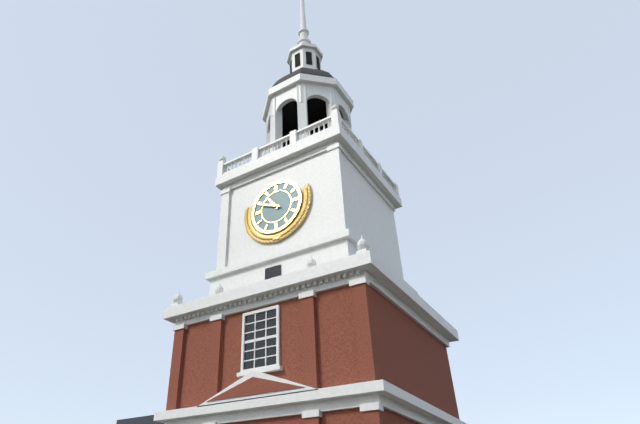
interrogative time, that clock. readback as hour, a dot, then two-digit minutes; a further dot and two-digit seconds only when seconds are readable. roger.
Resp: 10.49
